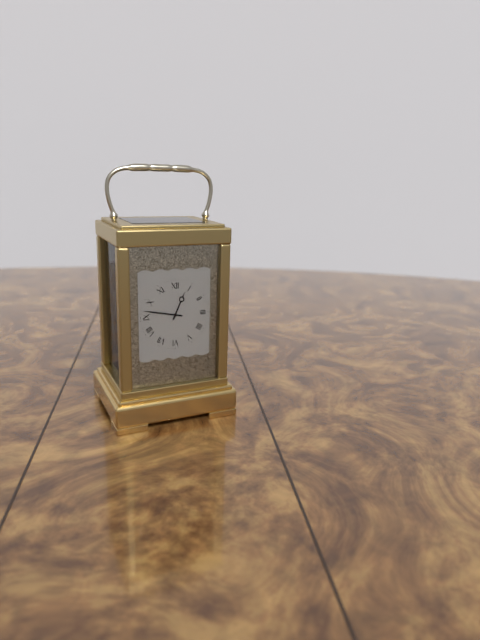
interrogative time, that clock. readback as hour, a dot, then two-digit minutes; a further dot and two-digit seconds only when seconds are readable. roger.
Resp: 12.47
